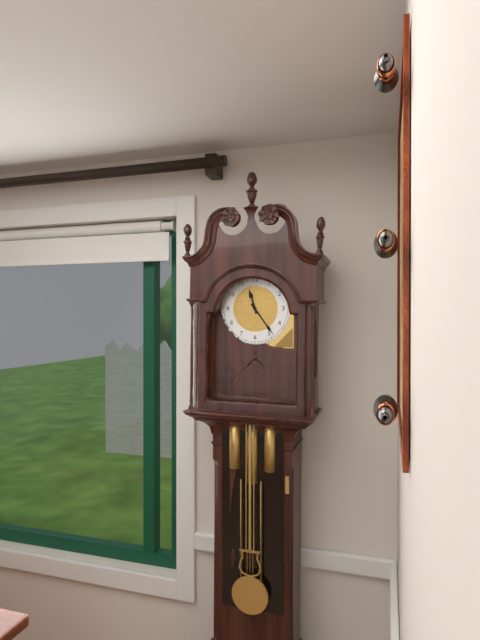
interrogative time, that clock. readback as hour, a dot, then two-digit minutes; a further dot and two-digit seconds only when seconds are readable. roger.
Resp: 11.24
